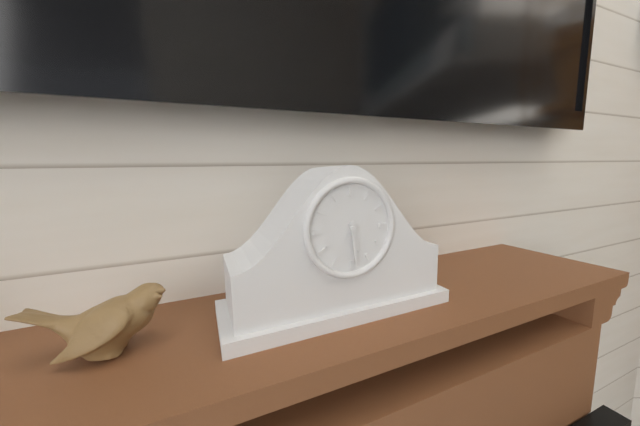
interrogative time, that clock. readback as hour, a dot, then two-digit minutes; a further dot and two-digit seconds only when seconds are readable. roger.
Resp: 5.29
